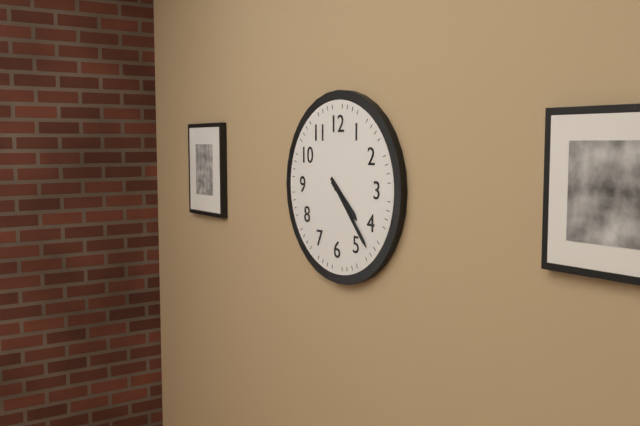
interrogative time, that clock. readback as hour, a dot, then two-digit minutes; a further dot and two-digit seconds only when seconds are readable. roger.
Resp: 4.23
